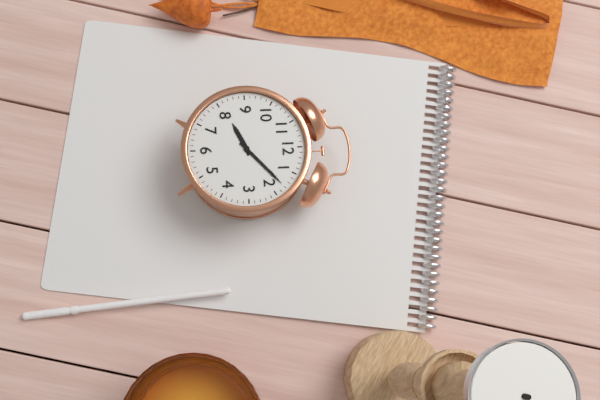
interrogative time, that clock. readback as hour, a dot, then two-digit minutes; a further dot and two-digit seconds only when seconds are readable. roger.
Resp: 8.08
